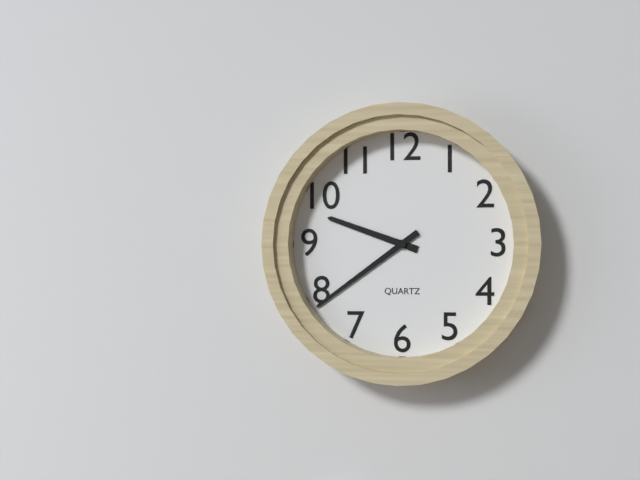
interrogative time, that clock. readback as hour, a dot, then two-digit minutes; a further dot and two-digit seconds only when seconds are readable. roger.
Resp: 9.39
